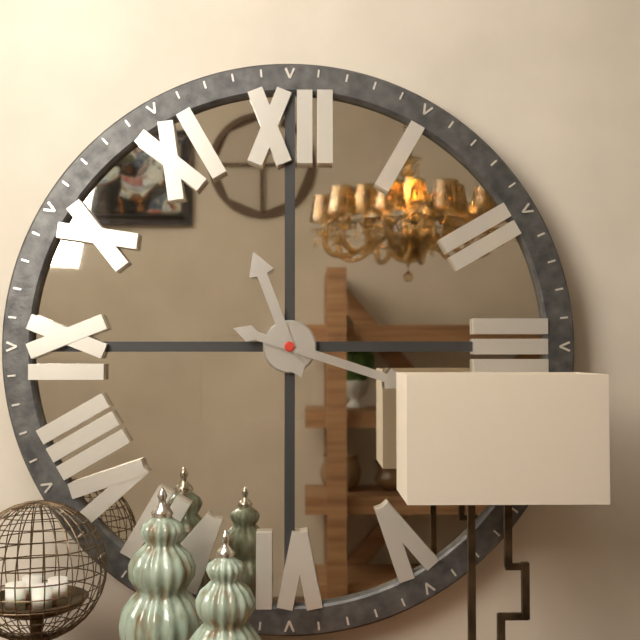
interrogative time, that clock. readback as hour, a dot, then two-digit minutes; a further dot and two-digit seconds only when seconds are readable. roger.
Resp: 11.18
